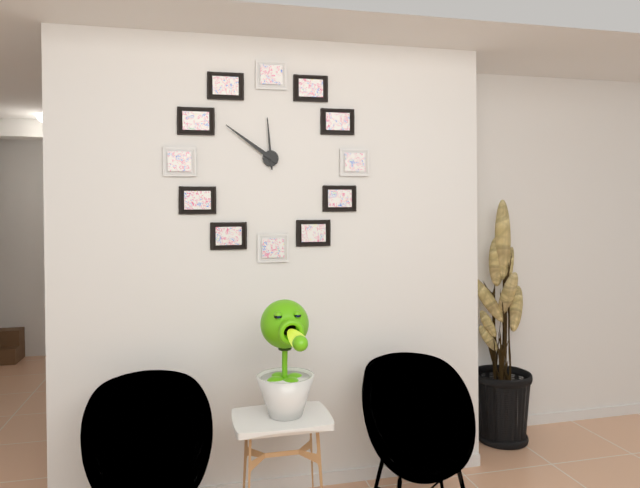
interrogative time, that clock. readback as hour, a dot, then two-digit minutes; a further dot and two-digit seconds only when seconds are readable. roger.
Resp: 11.51
